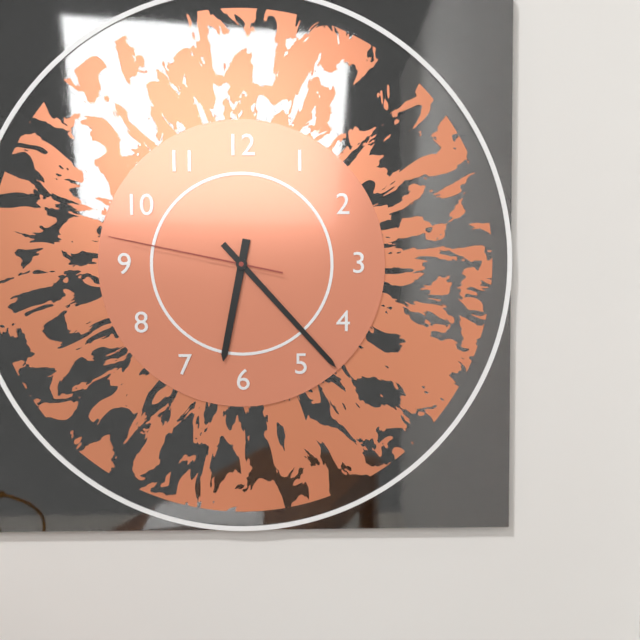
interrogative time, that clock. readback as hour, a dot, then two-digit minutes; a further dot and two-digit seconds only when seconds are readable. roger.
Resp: 6.23.47
